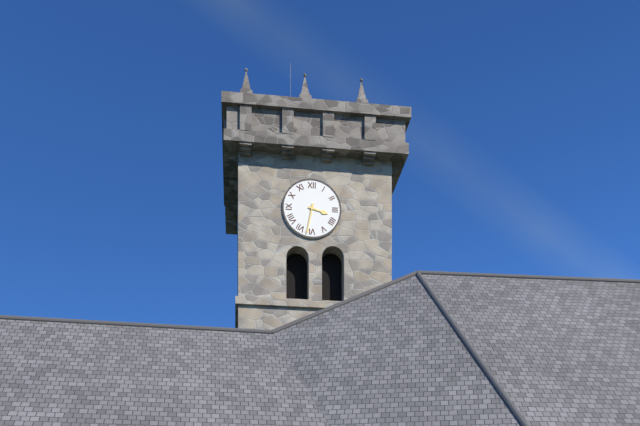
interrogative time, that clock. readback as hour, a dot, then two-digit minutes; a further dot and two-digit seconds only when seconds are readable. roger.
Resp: 3.32
